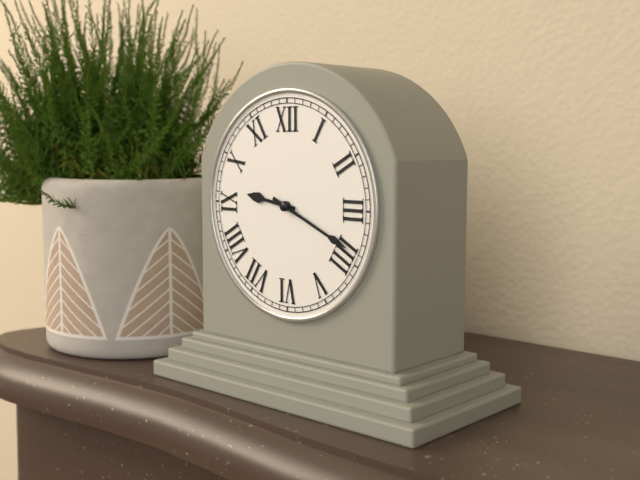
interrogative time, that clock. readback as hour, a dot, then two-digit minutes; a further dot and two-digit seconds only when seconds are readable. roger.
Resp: 9.19
